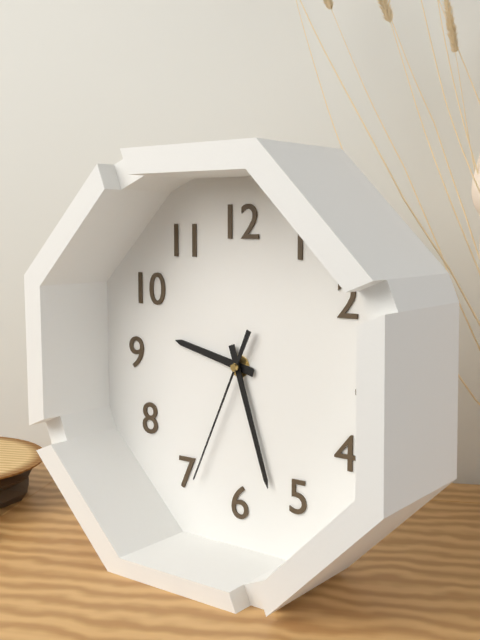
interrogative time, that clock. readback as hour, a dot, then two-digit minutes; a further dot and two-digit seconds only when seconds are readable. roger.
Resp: 9.27.34
